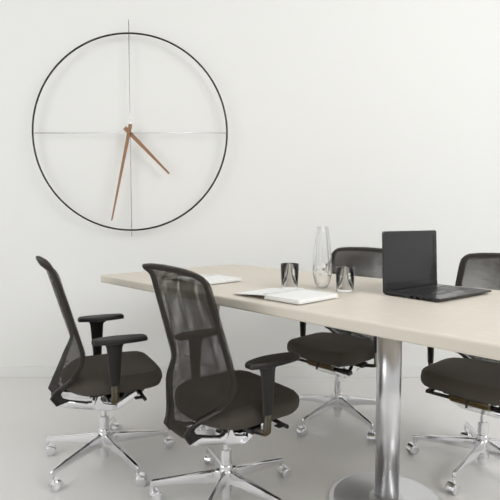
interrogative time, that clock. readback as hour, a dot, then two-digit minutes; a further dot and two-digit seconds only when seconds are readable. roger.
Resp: 4.32
